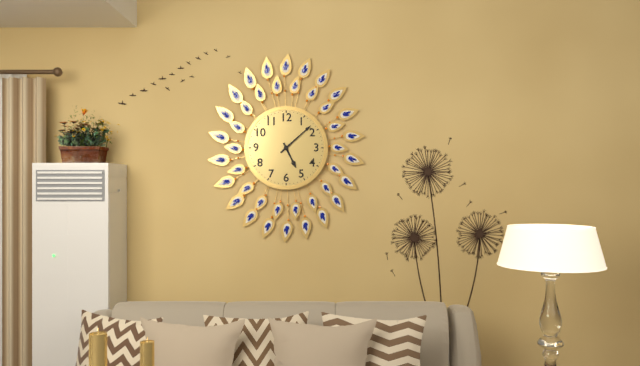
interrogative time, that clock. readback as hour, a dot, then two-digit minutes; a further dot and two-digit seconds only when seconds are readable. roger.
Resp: 5.08
